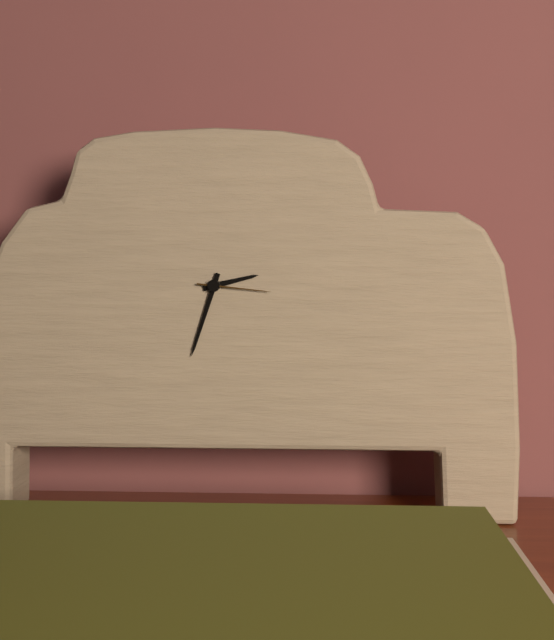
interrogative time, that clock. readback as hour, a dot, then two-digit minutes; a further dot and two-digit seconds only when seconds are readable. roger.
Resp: 2.33.16
